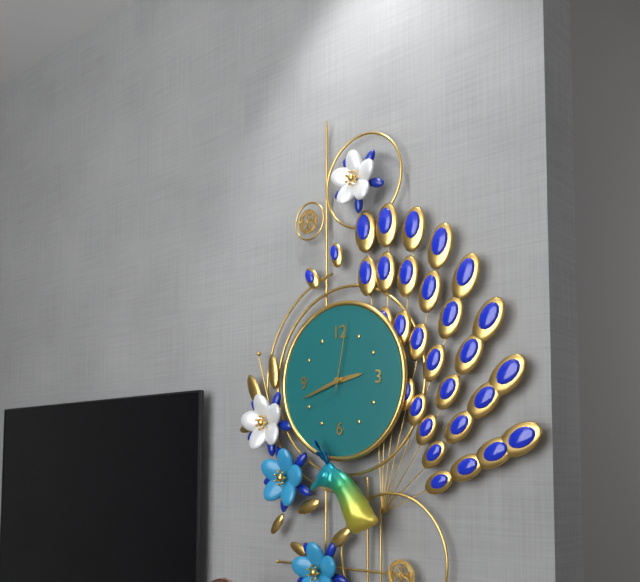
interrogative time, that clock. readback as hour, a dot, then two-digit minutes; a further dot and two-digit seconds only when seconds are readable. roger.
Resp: 2.42.02
